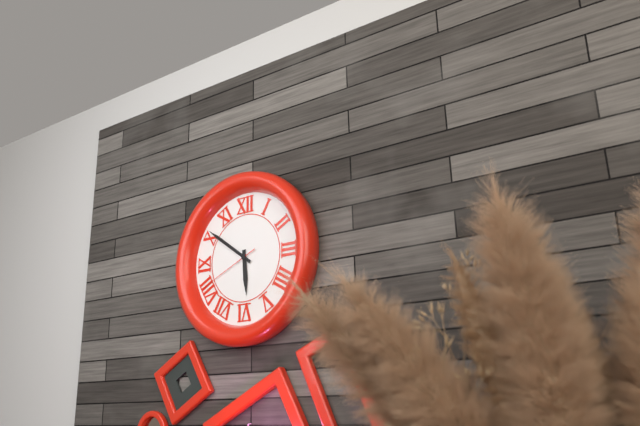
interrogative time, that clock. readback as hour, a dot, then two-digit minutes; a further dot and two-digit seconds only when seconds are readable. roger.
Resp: 5.51.41
